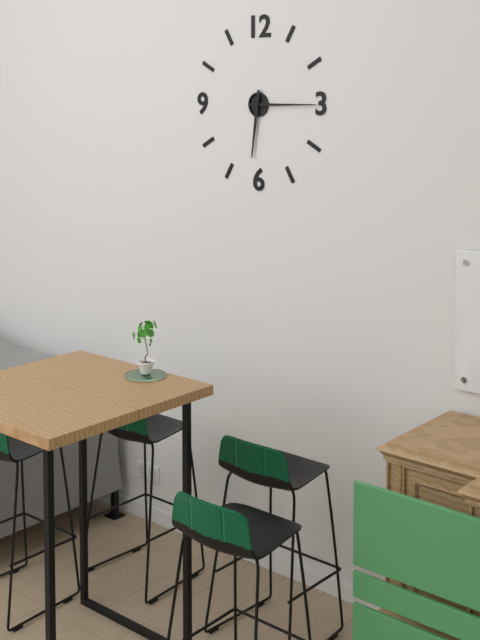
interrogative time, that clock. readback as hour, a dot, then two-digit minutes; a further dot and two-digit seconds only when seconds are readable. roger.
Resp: 6.15
